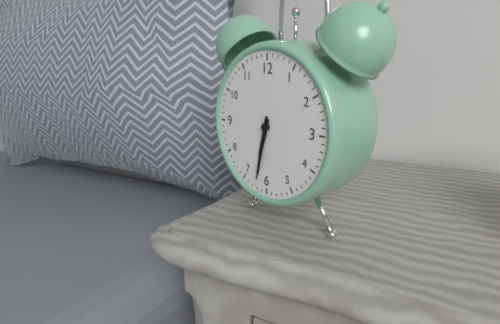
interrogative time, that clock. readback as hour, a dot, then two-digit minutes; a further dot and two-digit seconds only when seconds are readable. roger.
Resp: 6.32
